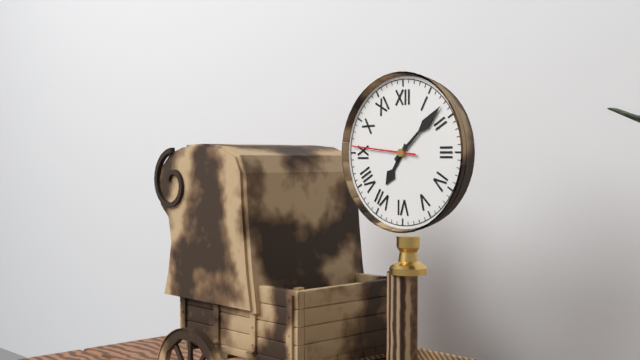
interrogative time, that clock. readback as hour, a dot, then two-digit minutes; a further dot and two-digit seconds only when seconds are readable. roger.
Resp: 7.08.46
